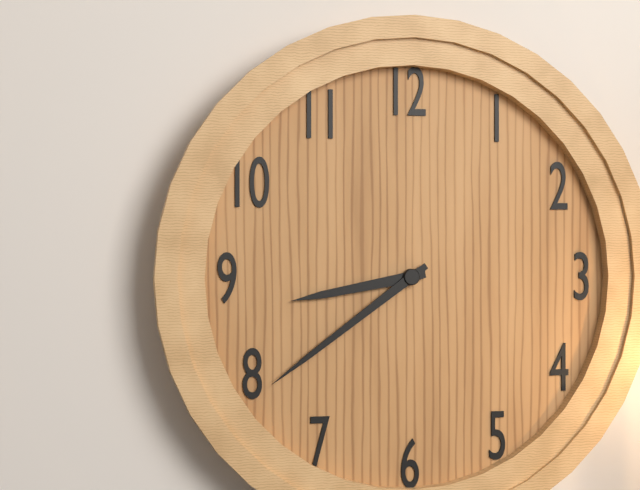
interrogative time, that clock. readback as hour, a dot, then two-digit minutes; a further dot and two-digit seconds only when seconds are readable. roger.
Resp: 8.39
